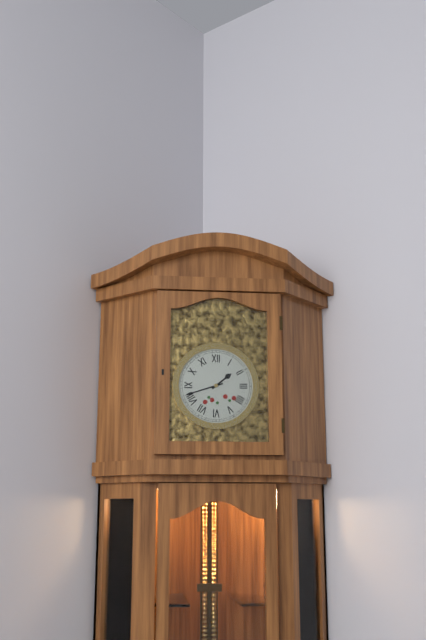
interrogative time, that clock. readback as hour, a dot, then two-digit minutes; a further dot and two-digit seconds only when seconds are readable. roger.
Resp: 1.42
